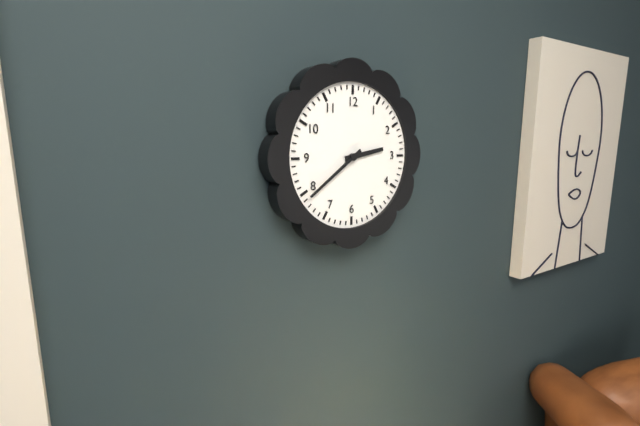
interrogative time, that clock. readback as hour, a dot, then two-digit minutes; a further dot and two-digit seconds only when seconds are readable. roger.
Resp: 2.39
